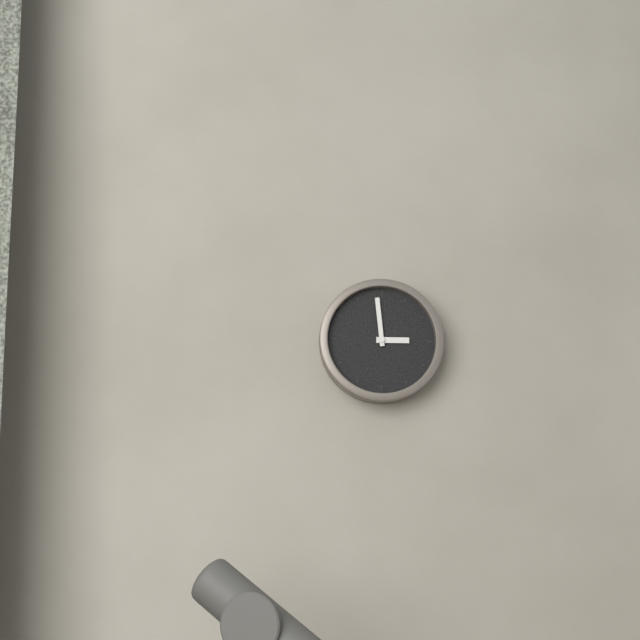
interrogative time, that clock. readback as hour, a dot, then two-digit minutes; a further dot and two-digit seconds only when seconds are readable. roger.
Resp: 2.59
